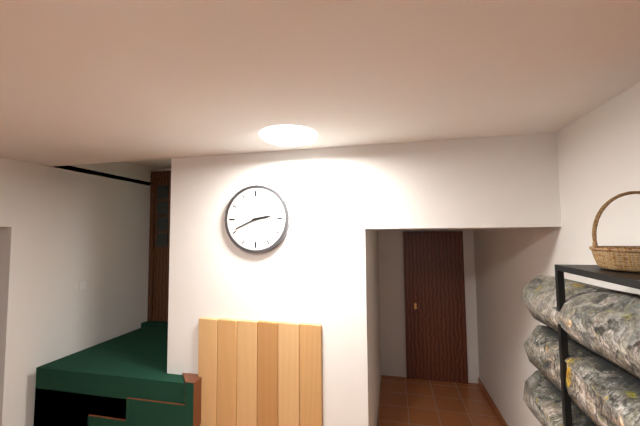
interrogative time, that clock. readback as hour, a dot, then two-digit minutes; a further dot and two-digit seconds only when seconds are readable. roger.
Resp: 2.41
